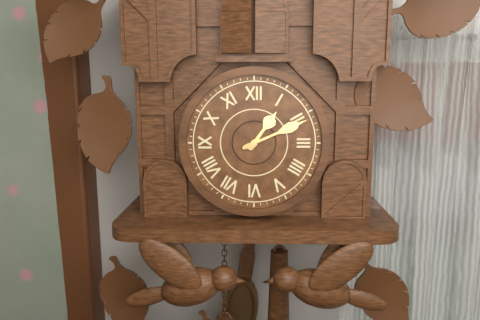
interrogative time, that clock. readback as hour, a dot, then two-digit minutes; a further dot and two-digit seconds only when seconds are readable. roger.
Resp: 1.11
